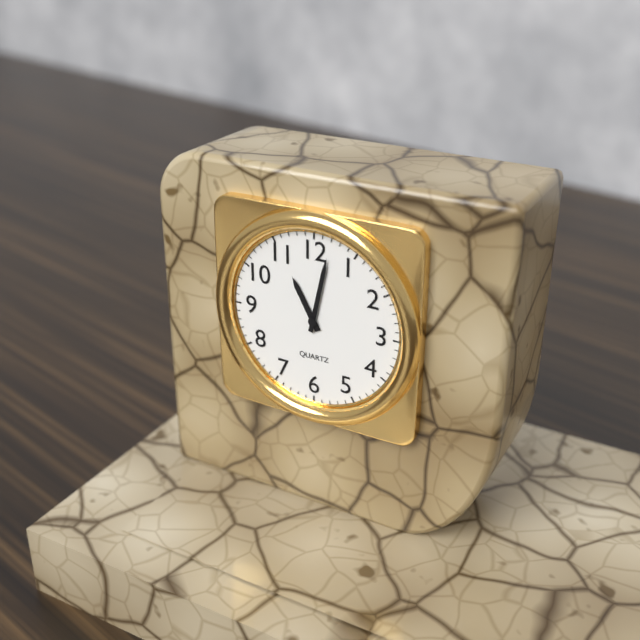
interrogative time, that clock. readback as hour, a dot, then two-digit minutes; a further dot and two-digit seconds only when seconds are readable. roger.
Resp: 11.02
